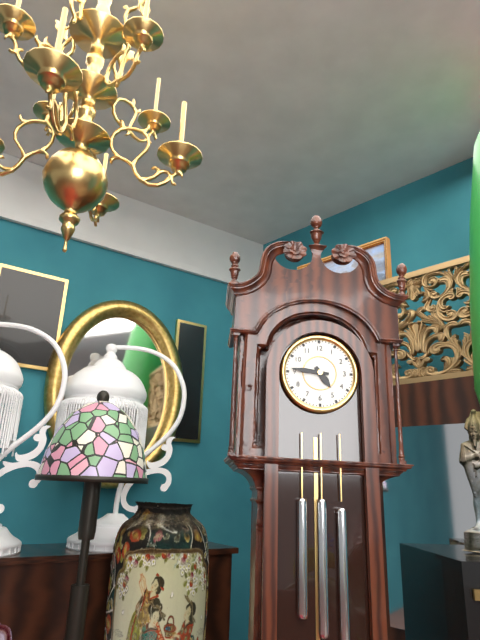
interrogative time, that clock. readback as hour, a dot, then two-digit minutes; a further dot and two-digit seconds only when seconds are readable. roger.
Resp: 4.46
